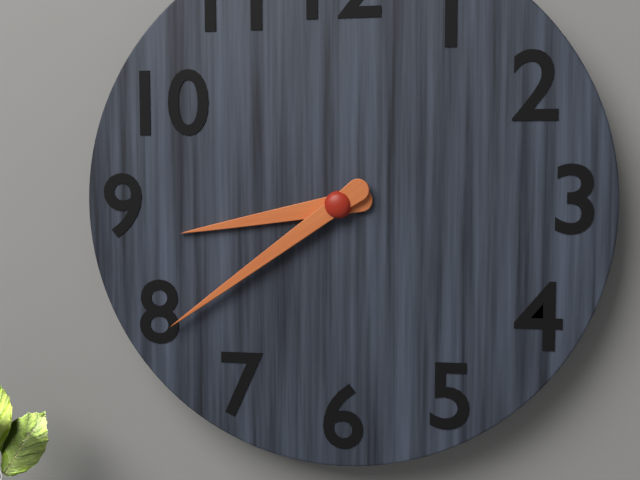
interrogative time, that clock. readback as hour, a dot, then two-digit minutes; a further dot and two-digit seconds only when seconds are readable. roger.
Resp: 8.39
